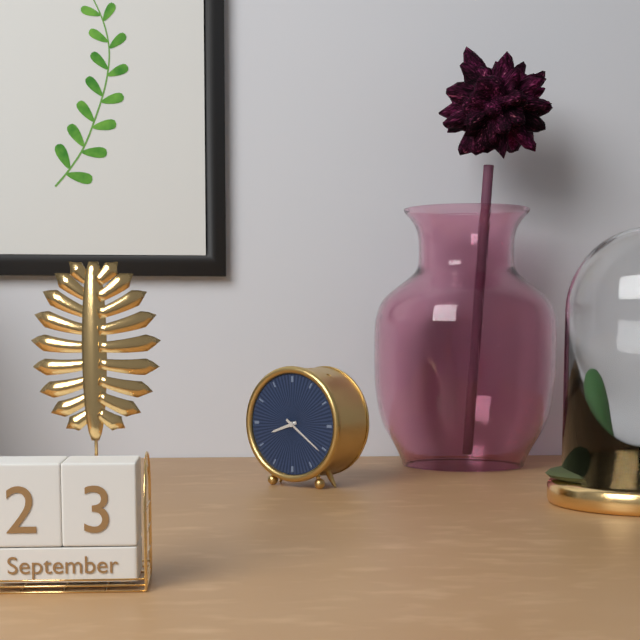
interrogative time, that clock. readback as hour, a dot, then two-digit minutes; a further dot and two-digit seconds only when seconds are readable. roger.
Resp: 8.21
